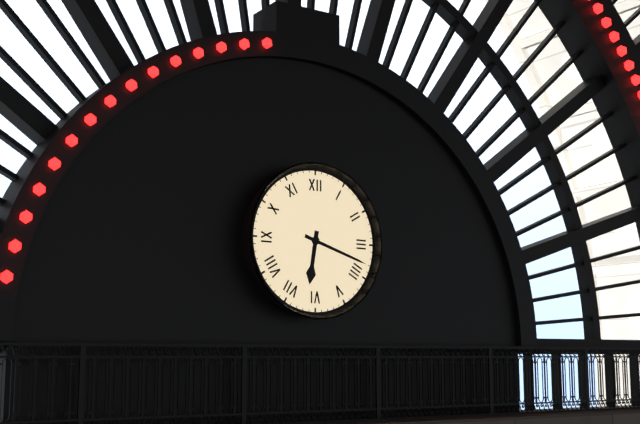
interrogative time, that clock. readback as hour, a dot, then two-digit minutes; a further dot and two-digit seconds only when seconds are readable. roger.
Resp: 6.18
